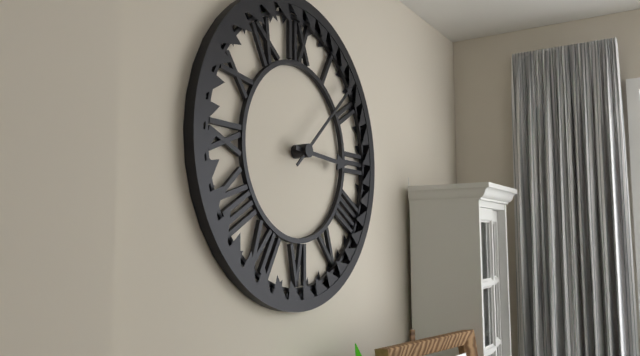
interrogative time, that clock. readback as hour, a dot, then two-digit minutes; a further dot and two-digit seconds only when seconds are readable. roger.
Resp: 3.08
